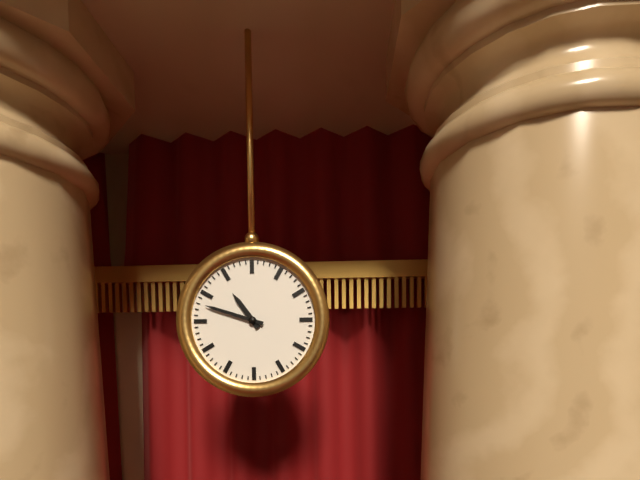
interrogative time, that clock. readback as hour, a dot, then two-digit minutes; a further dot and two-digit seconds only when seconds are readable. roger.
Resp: 10.48
